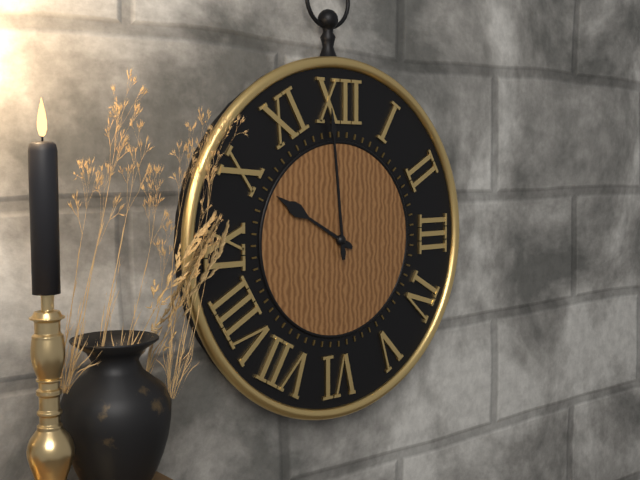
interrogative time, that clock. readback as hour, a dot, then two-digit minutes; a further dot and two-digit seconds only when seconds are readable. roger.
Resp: 9.59
